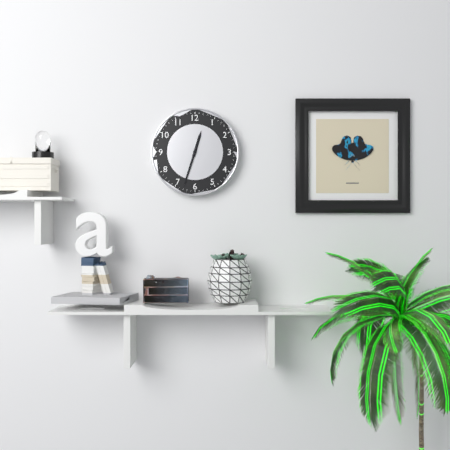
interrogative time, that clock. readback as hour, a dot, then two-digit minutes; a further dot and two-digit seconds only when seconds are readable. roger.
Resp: 12.33
